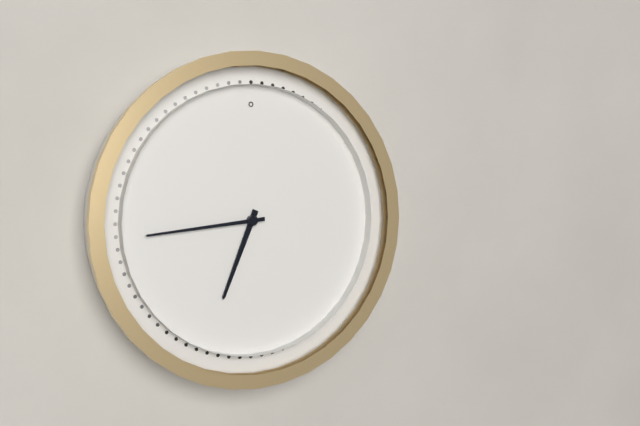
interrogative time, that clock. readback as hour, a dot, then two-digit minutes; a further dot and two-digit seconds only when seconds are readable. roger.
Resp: 6.44
